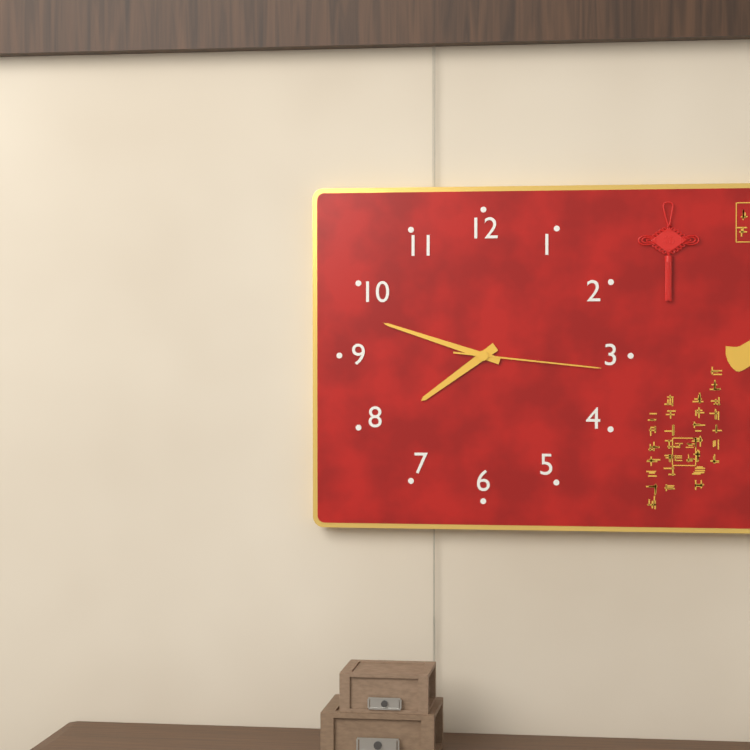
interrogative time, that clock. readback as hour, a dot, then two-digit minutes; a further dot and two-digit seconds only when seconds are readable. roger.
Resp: 7.48.16
